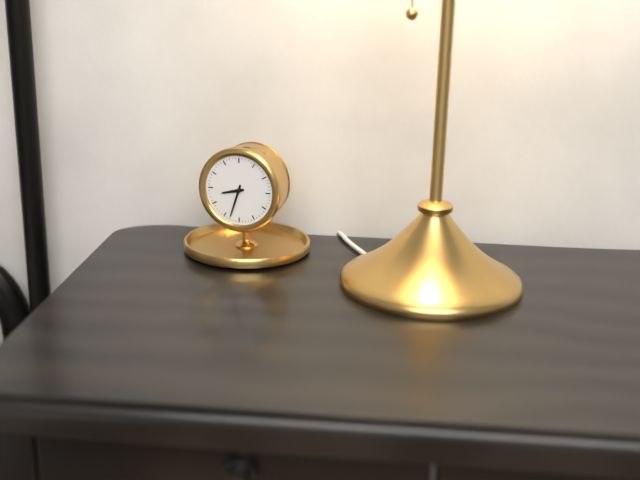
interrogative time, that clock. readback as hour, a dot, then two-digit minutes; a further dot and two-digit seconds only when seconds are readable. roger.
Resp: 8.33
